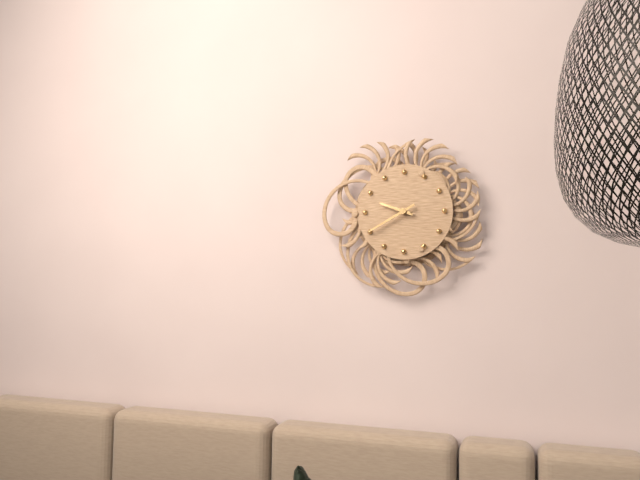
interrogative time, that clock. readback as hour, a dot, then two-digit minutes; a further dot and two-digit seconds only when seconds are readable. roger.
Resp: 9.40
